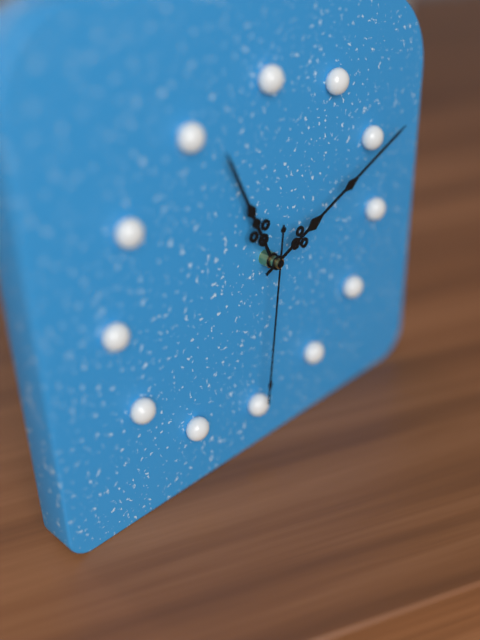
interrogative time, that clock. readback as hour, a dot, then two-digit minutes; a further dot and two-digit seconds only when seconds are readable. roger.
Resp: 11.11.31
